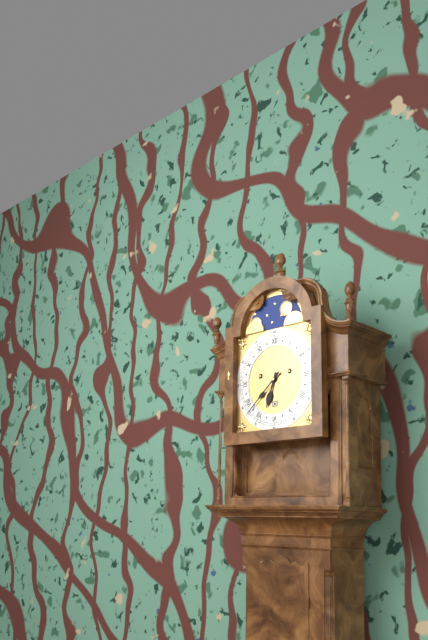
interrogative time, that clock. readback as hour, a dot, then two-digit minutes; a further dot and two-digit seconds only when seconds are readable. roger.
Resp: 6.38
